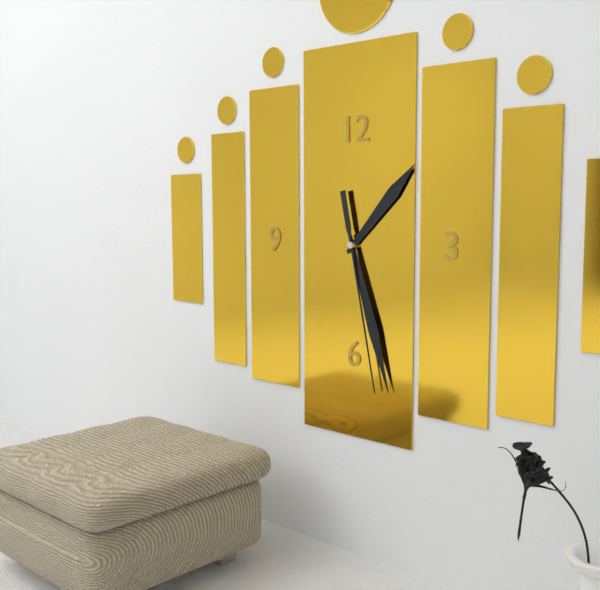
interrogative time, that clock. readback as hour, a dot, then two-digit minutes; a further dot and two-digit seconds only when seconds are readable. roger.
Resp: 1.27.28
